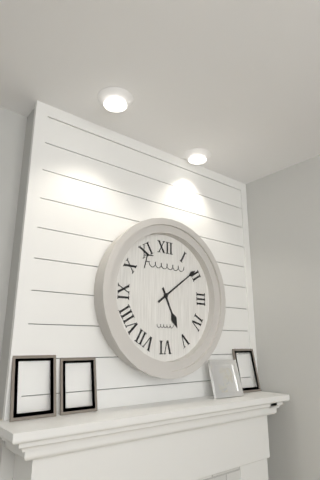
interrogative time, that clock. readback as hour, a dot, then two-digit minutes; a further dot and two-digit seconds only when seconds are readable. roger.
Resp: 5.09
